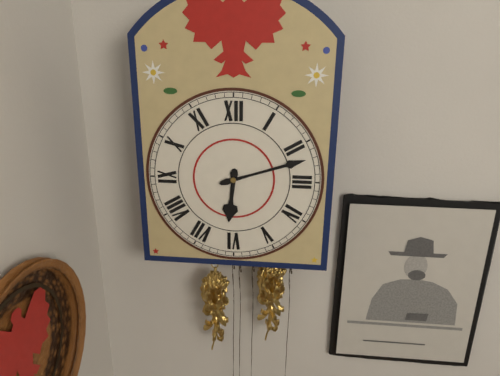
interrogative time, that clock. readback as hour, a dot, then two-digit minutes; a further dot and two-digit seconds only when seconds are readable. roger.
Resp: 6.12
